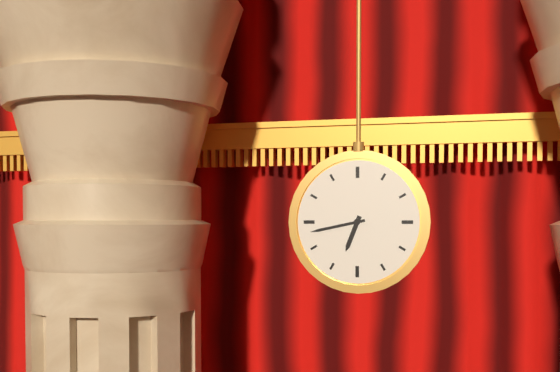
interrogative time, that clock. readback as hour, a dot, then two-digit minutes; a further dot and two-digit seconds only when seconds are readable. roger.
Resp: 6.43
